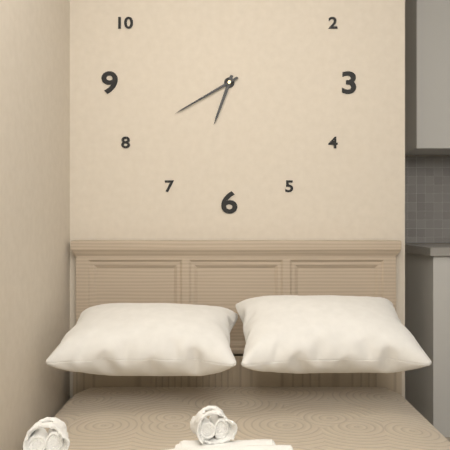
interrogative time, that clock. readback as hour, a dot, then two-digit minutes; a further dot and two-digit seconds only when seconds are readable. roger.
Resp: 6.40
